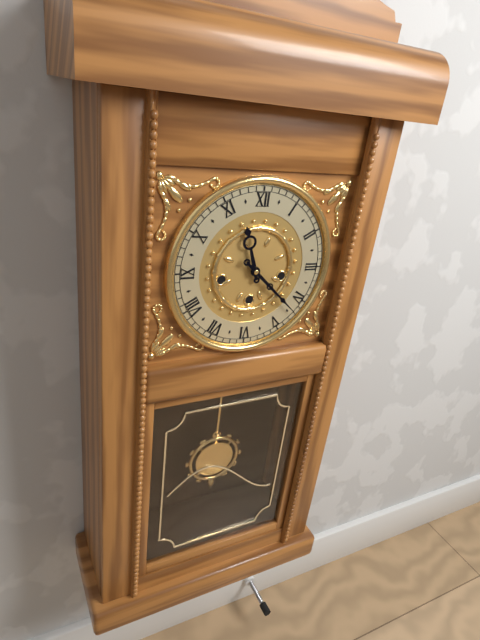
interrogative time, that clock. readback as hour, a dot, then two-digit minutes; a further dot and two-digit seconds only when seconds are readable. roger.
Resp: 11.22
